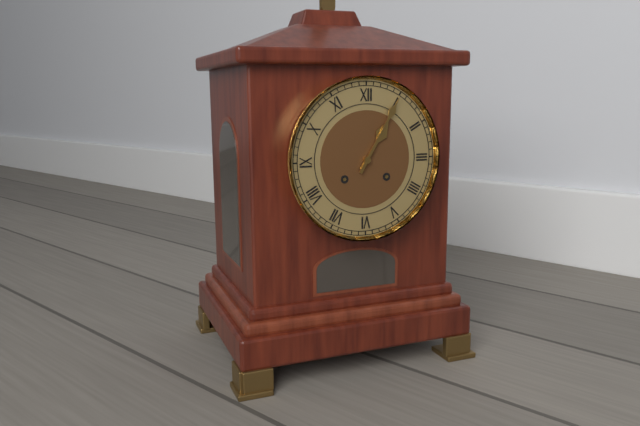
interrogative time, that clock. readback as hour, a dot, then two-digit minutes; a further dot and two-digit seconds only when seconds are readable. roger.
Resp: 1.05
